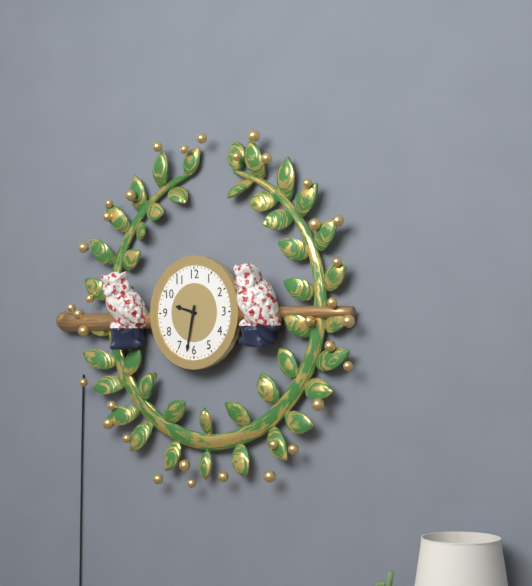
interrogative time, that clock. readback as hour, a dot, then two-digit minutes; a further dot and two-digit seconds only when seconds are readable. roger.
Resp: 9.32
